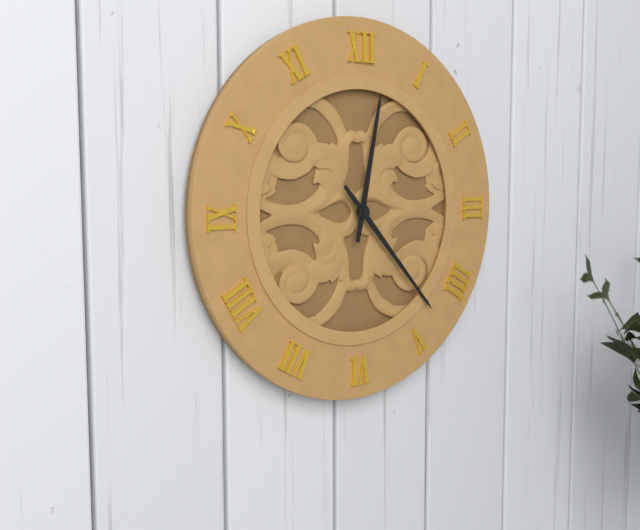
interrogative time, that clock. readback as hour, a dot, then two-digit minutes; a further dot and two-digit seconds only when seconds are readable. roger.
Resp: 12.23
